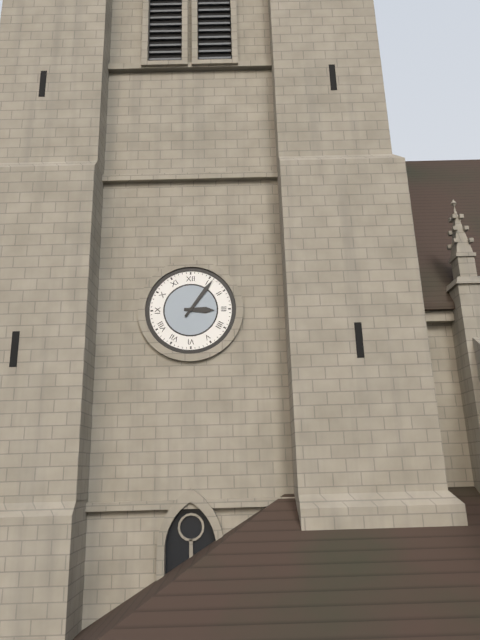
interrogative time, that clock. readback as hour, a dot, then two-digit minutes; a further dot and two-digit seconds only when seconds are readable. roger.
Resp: 3.06
